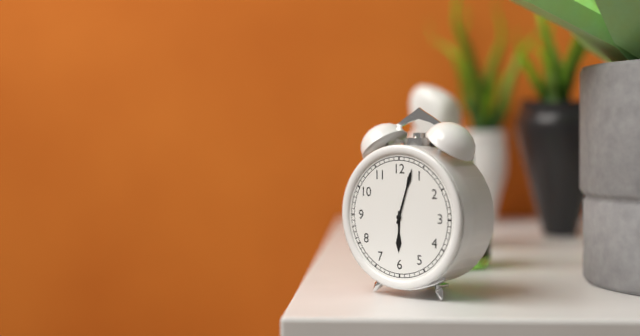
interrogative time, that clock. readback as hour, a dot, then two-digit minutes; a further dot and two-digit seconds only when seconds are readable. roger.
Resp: 6.03
